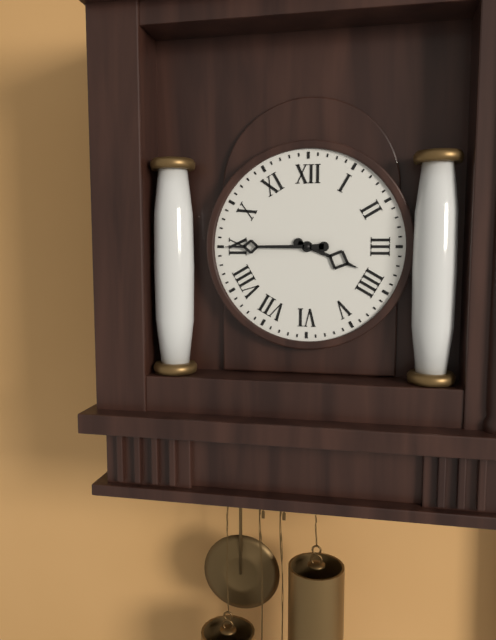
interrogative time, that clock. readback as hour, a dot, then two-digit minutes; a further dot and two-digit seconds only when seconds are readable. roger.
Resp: 3.45
